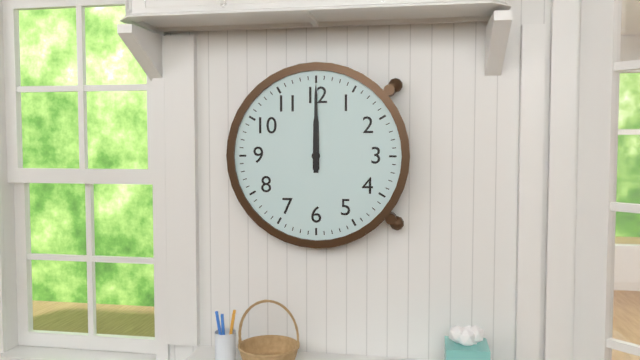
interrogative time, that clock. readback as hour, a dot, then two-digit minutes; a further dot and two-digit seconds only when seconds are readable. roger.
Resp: 12.00
